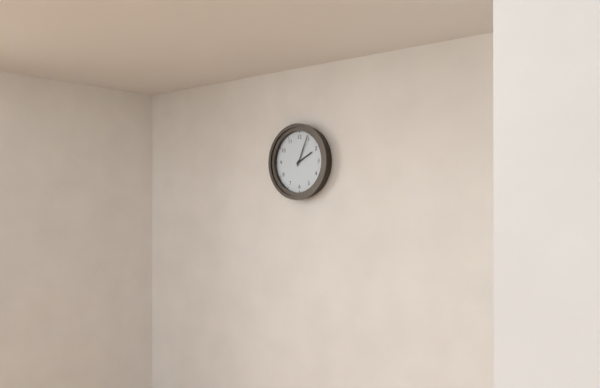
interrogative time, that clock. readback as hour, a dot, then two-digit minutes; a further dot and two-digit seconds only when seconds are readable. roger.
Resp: 2.04
